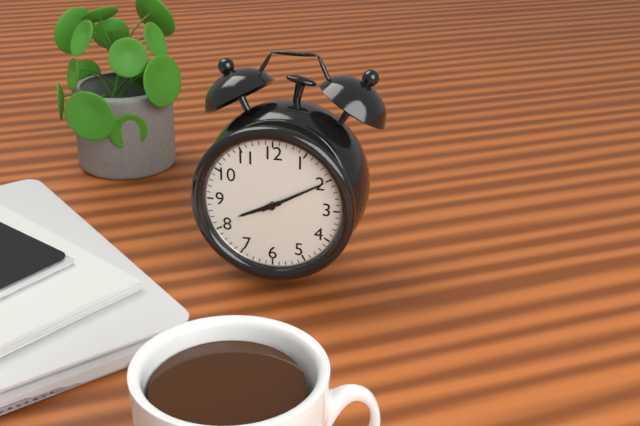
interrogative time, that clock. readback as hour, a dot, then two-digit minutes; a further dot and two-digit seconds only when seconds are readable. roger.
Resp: 8.10
